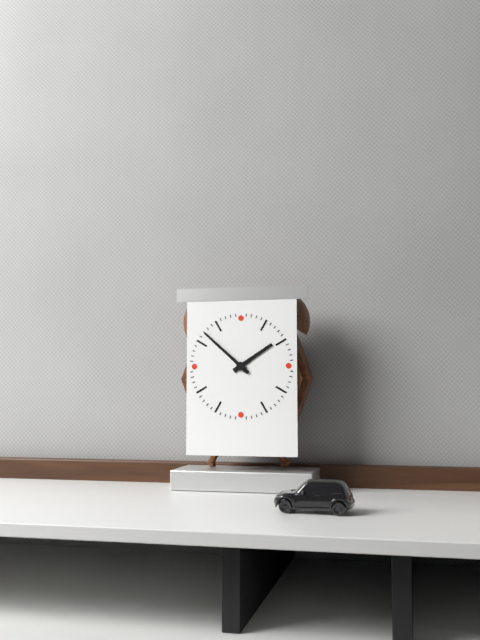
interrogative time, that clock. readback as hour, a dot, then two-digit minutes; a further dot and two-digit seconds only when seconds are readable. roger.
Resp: 1.52
